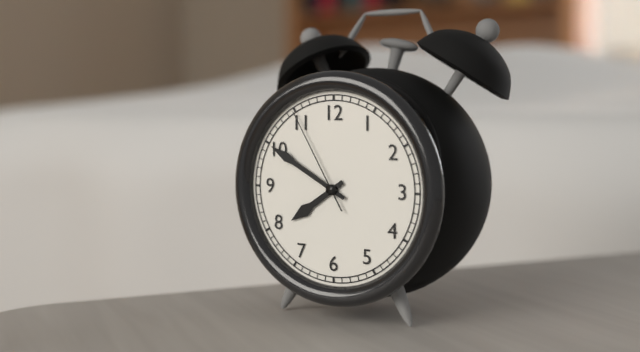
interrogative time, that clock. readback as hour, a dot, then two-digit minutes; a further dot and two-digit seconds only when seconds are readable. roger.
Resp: 7.50.55
